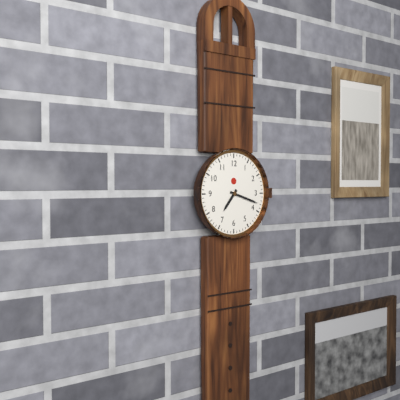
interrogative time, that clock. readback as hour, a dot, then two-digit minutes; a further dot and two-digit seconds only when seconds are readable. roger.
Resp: 7.18
